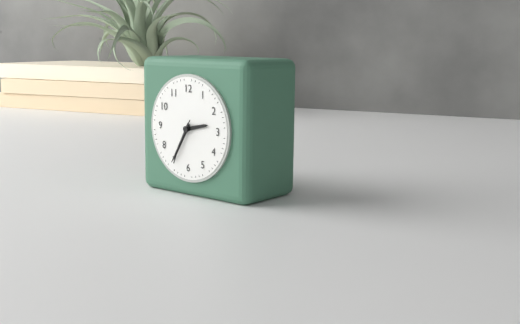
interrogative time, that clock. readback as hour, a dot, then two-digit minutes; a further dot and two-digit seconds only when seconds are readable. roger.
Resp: 2.35
